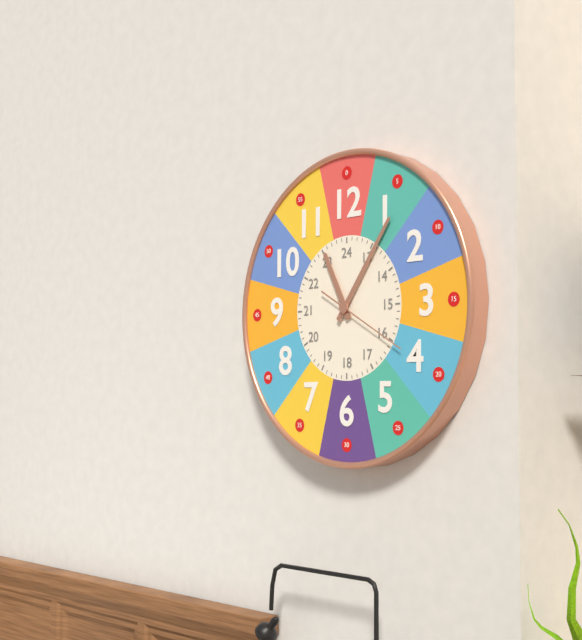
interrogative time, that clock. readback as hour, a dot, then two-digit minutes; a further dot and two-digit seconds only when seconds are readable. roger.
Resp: 11.06.20
